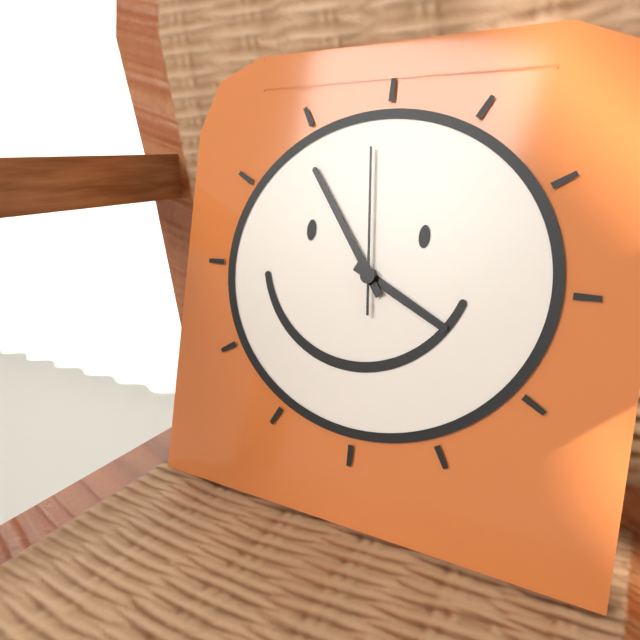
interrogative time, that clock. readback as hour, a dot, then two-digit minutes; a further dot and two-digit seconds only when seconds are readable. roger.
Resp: 3.54.59
